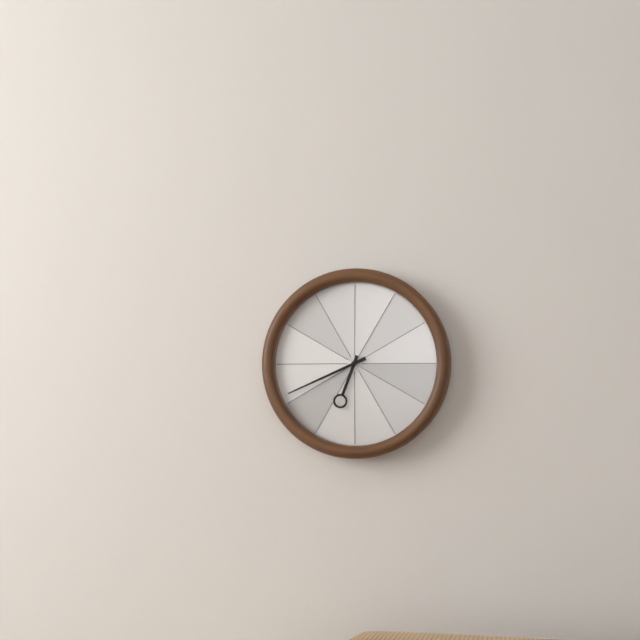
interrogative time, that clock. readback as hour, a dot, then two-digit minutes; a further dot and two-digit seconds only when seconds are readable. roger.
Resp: 6.41
